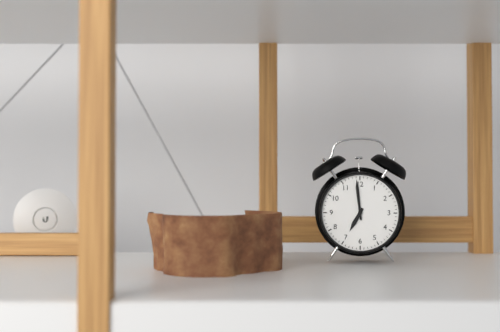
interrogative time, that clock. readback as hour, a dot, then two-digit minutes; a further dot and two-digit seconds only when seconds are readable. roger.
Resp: 6.59
